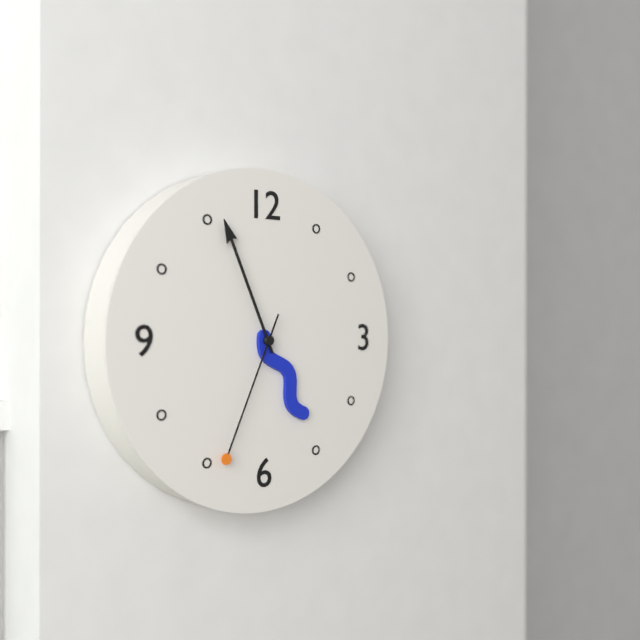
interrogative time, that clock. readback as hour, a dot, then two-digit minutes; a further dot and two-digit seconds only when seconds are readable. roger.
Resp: 4.56.34
